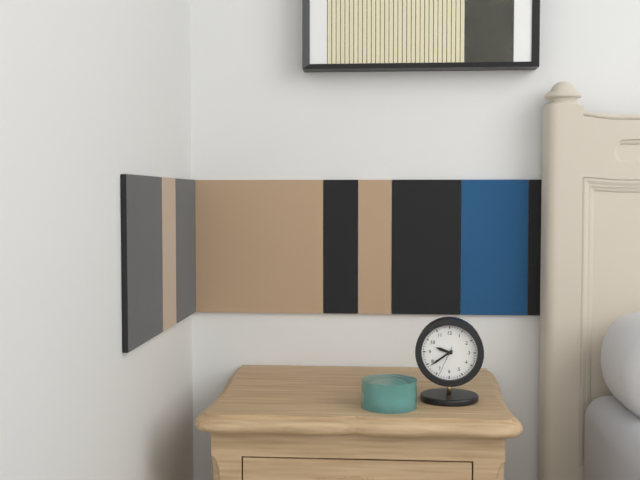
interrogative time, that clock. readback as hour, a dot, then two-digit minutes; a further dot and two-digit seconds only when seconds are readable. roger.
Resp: 9.39
